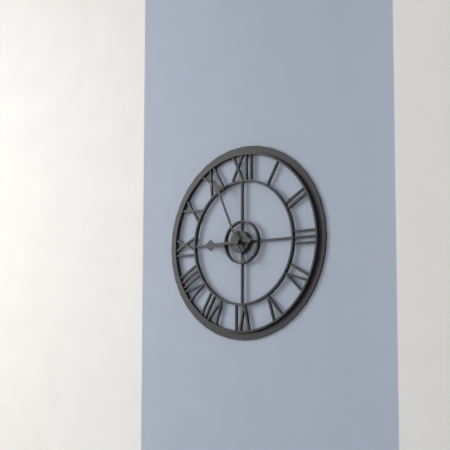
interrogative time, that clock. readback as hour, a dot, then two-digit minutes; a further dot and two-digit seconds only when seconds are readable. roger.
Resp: 8.56
